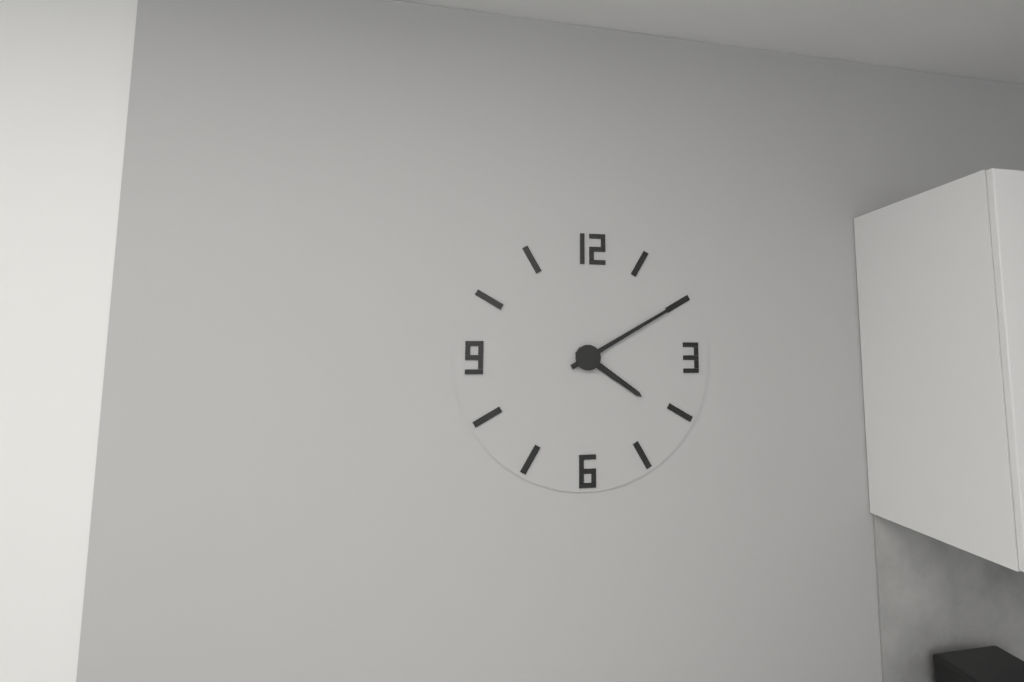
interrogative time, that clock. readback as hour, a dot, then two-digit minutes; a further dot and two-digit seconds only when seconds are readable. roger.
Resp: 4.10
